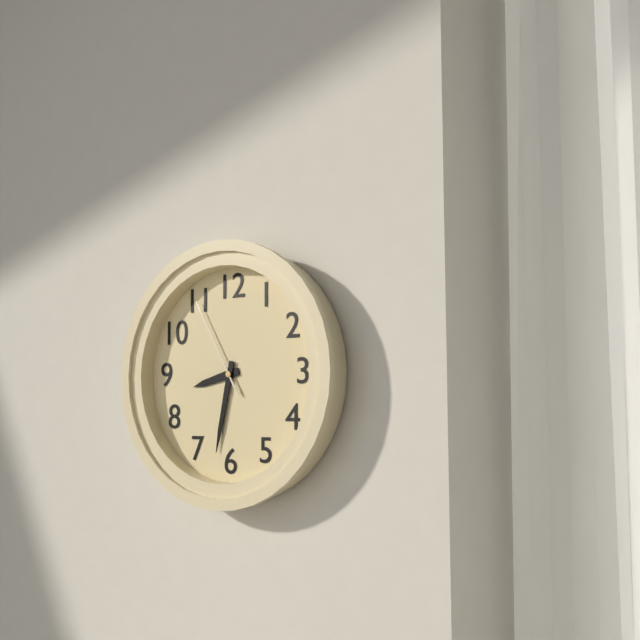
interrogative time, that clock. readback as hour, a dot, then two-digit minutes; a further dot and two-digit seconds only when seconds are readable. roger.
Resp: 8.32.55
